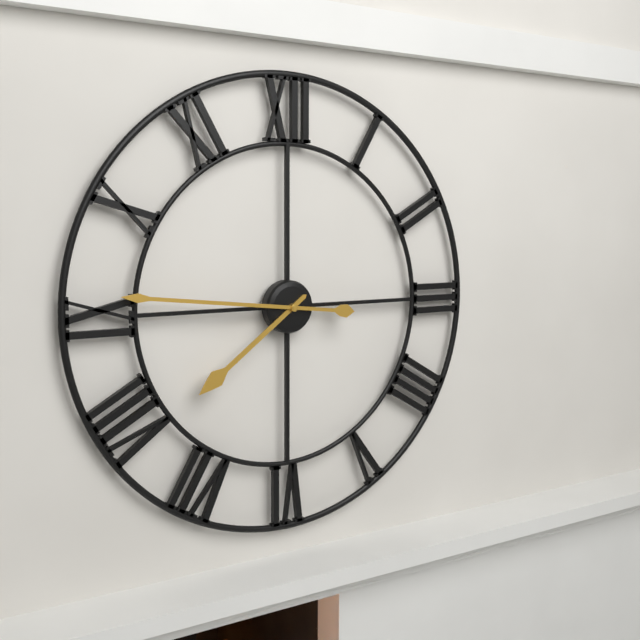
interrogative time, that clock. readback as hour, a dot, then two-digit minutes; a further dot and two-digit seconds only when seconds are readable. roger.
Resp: 7.46
